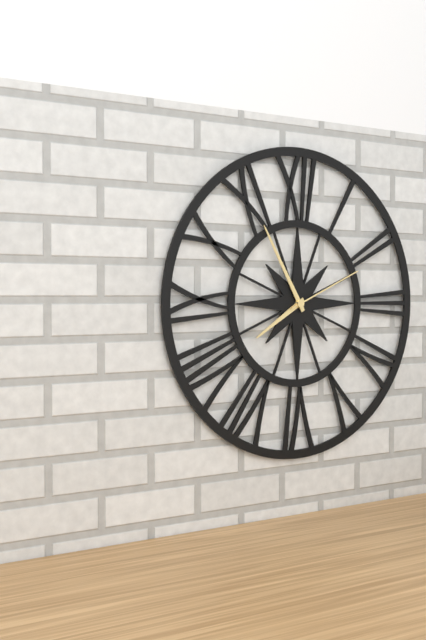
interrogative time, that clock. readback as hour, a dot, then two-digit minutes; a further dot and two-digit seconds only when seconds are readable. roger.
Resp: 7.55.11
